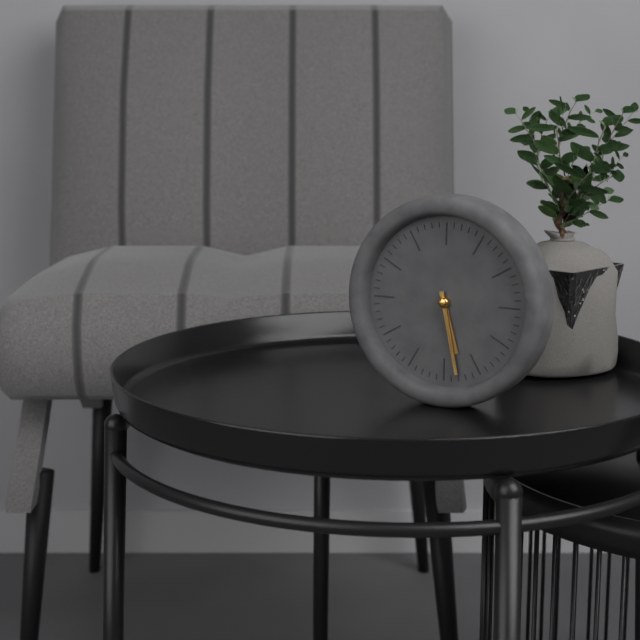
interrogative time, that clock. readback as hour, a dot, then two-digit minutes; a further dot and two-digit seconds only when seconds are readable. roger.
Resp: 5.28
